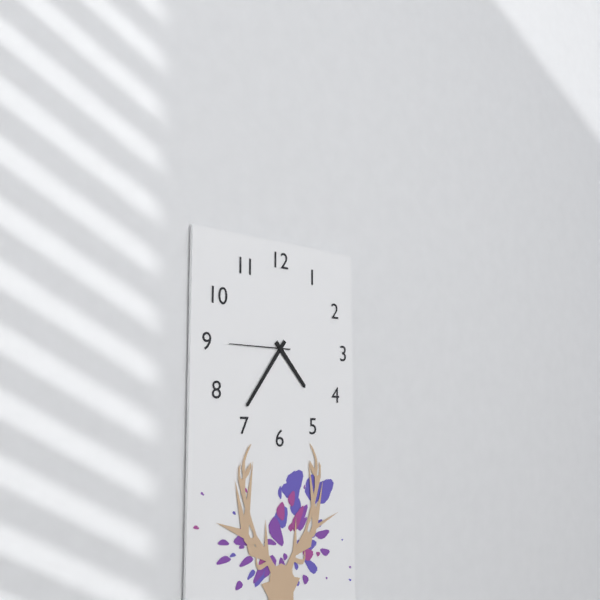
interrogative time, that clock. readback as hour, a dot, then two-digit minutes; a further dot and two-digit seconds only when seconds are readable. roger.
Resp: 4.36.45
